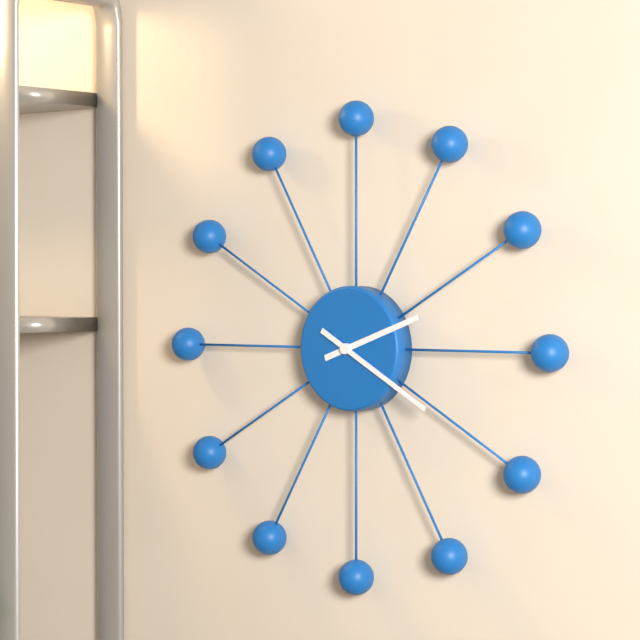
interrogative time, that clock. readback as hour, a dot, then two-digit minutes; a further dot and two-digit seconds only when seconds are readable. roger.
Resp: 2.20
